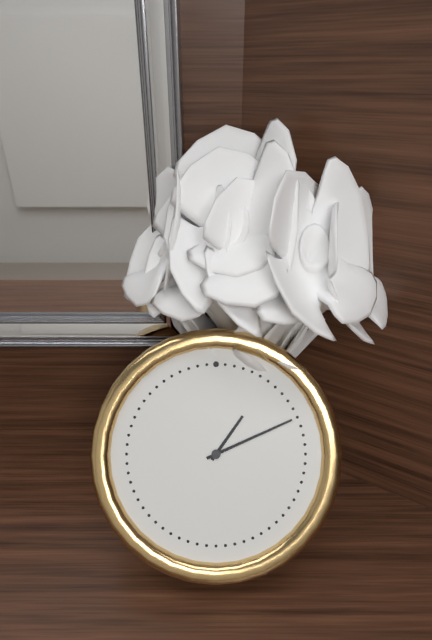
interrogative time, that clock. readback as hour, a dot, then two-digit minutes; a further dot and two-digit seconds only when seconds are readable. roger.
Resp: 1.11
